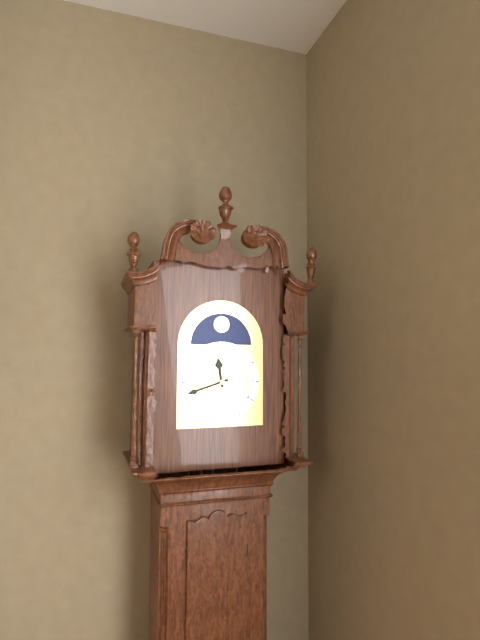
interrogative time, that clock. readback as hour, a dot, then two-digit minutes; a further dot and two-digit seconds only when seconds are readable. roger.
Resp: 11.42
